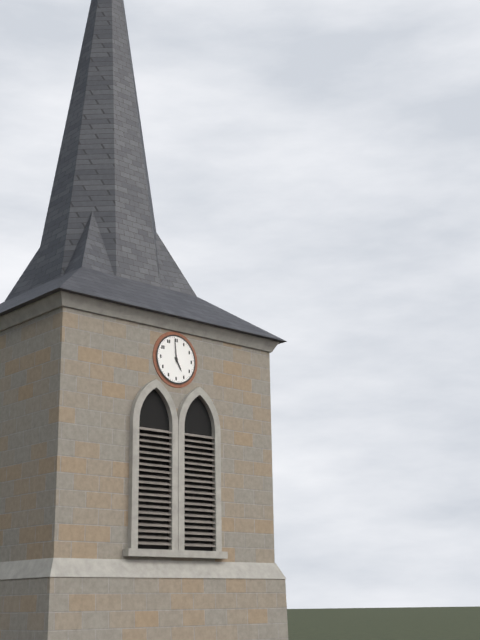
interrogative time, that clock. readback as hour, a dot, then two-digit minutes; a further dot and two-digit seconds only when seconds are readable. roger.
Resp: 4.59
